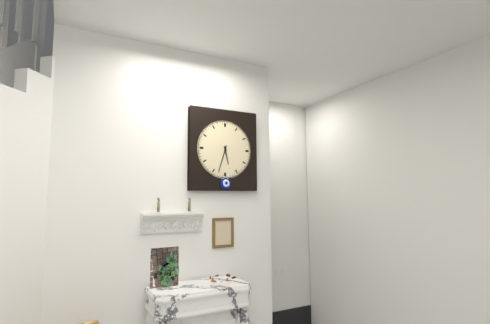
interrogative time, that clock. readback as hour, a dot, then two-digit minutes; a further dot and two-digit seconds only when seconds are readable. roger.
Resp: 5.33
